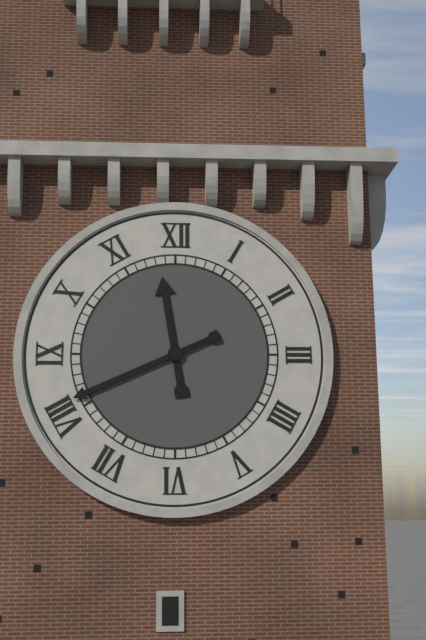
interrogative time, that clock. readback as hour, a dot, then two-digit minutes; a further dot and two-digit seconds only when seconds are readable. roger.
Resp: 11.41
